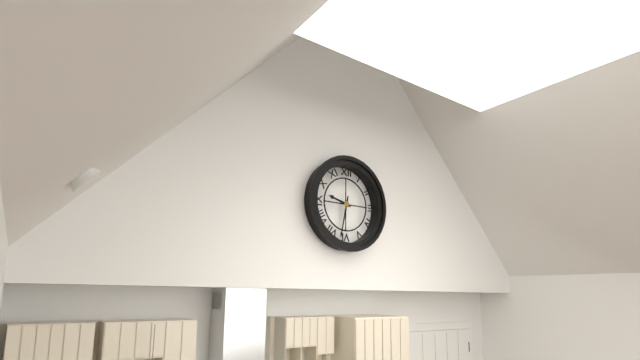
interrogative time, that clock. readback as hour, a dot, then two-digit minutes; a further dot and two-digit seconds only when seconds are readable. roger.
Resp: 9.32
